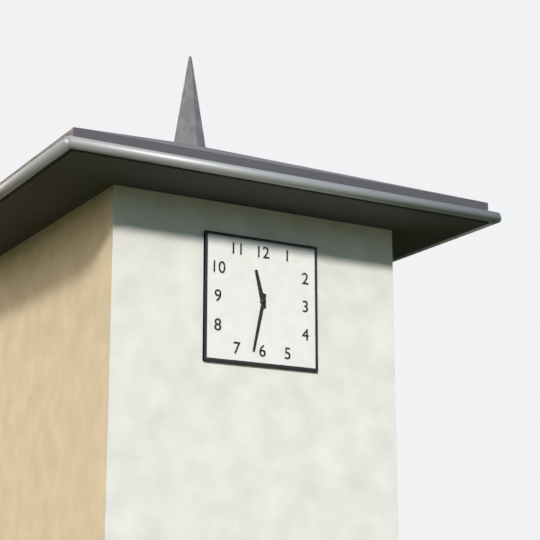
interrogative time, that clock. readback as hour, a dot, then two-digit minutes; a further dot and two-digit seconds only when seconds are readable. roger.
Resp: 11.32
